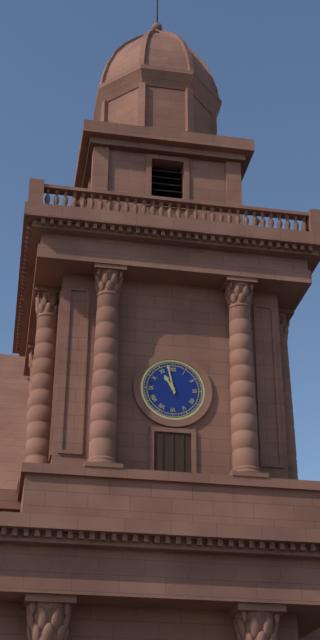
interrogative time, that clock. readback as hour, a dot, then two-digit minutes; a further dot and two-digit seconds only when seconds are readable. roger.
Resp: 10.58
